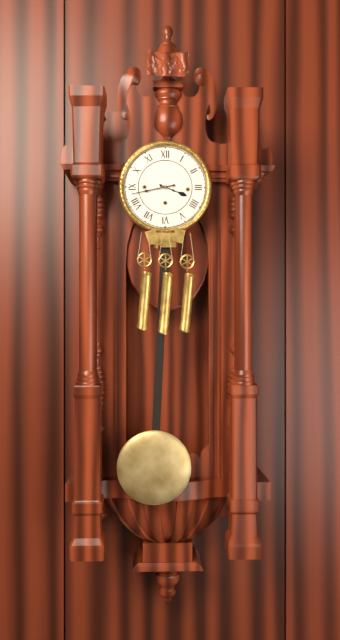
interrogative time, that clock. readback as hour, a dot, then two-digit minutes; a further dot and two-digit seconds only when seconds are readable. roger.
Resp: 3.43
